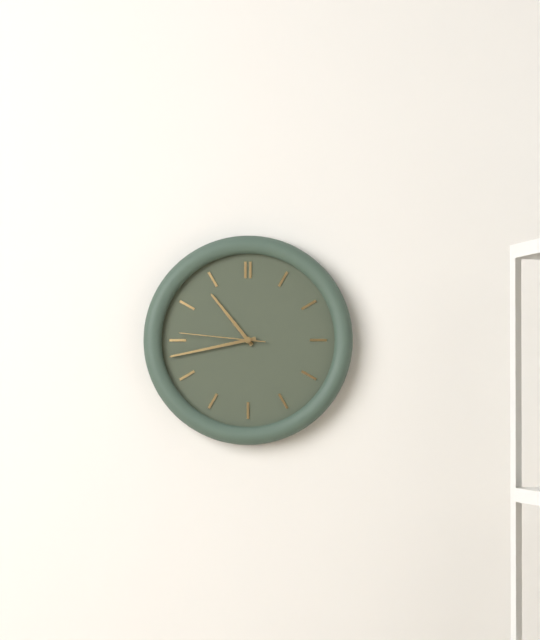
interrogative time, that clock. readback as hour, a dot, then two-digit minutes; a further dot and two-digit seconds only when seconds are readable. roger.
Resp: 10.43.46
